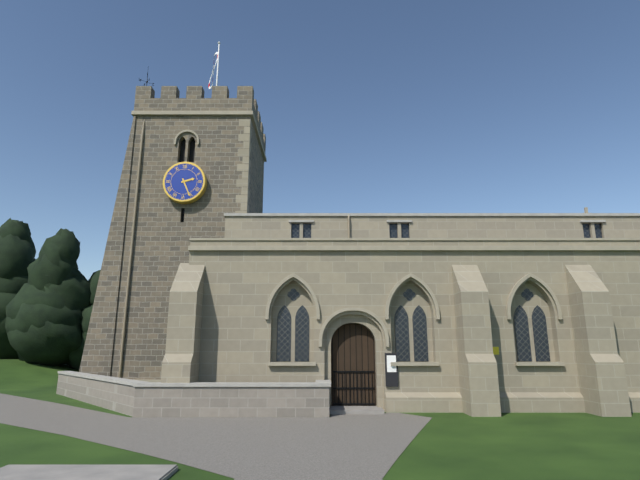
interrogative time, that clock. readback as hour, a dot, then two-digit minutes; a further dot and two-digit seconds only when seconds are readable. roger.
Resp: 2.26
